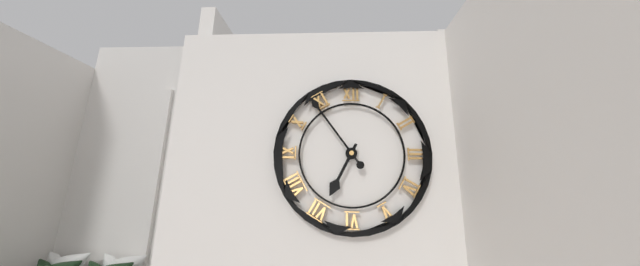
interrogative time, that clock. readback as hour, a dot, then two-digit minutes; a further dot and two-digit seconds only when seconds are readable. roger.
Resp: 6.54
